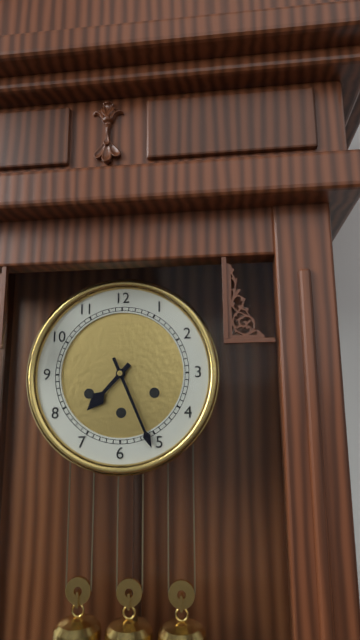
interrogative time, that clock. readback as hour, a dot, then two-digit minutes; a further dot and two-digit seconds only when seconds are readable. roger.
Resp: 7.26
